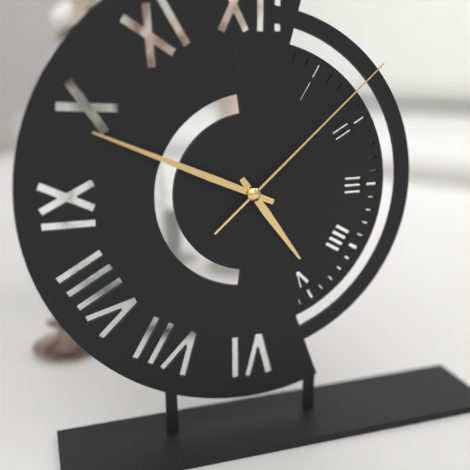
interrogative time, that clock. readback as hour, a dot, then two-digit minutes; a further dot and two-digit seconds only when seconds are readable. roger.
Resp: 4.49.08
